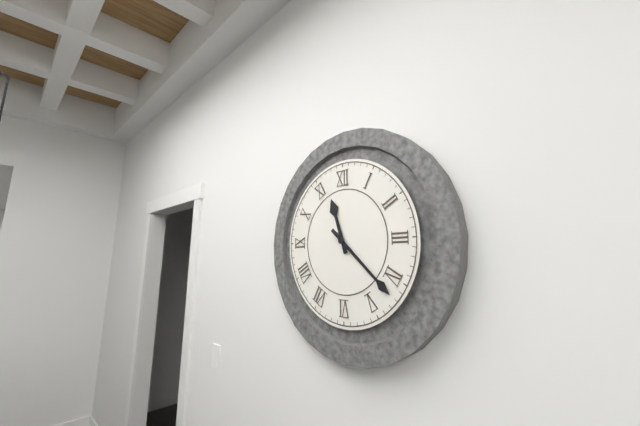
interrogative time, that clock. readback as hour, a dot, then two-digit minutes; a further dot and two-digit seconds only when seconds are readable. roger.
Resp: 11.22
